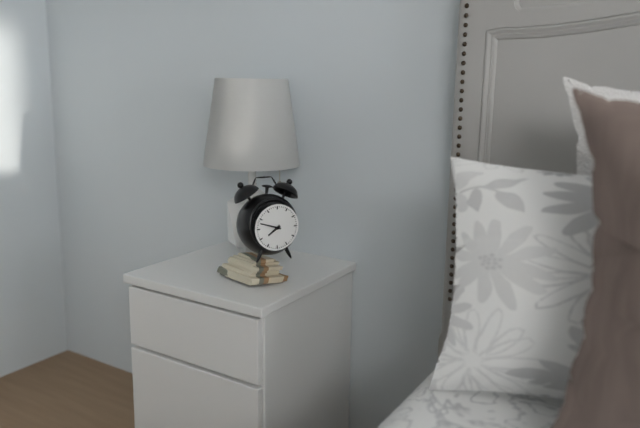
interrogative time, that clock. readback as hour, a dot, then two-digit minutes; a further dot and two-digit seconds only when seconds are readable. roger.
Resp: 7.48
